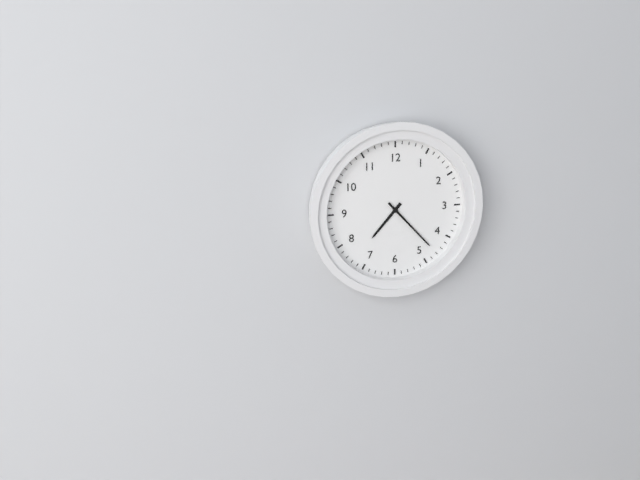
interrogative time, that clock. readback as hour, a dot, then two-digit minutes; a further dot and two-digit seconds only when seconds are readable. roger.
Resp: 7.23
